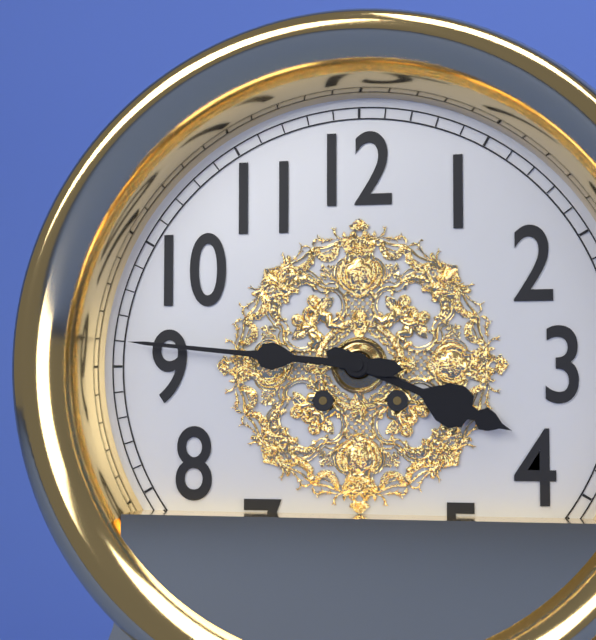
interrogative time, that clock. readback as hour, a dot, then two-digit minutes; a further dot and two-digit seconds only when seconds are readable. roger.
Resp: 3.46
